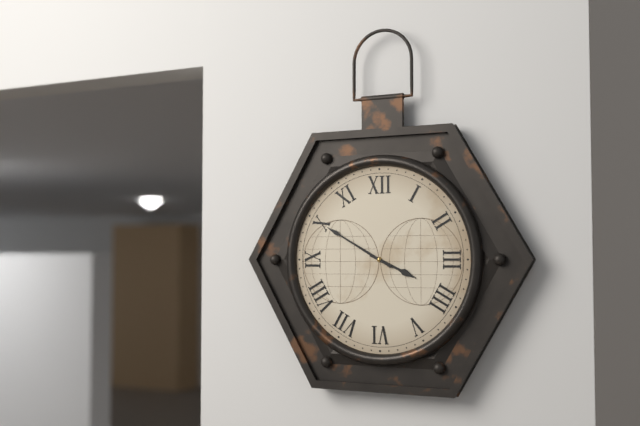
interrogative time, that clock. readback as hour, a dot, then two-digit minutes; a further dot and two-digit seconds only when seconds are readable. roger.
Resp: 3.50
